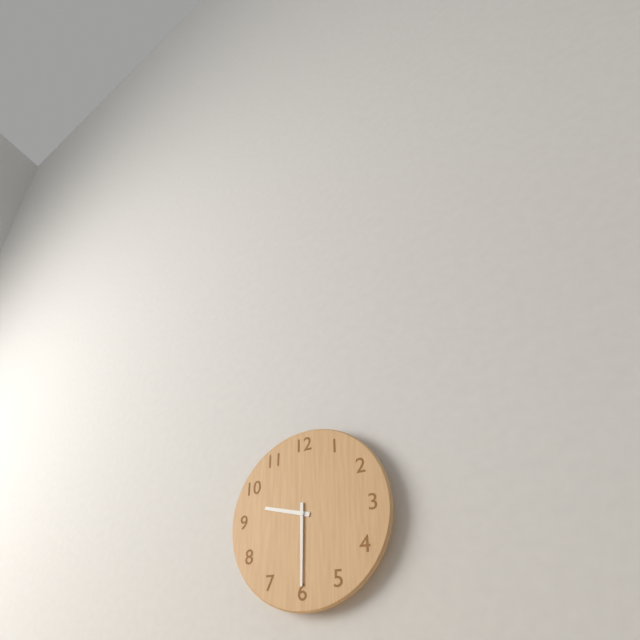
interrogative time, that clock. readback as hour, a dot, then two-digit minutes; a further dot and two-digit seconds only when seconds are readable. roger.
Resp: 9.30
